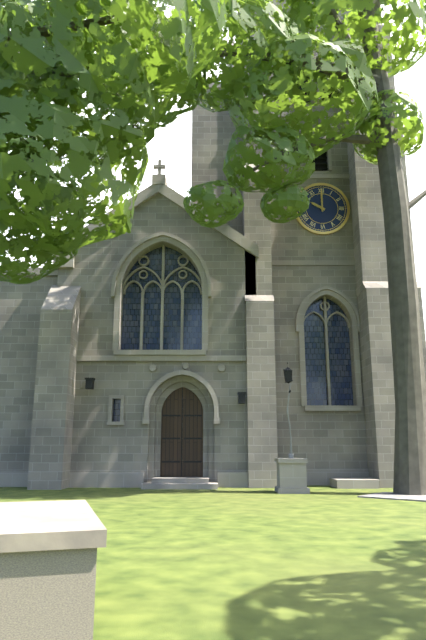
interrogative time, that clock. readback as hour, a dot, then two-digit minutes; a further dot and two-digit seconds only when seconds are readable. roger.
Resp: 10.00
